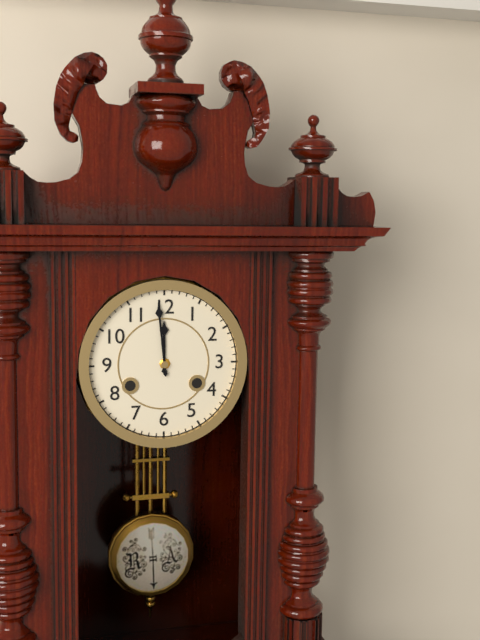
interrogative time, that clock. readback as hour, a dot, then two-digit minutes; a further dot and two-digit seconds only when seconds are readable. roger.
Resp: 11.59
